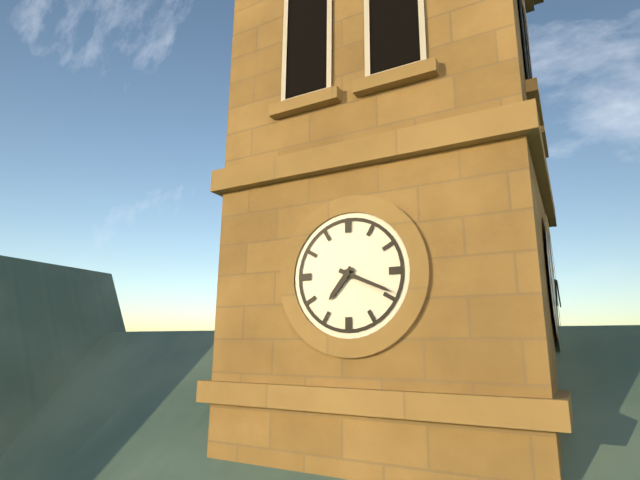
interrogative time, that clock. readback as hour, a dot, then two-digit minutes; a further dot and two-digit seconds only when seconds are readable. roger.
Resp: 7.19
